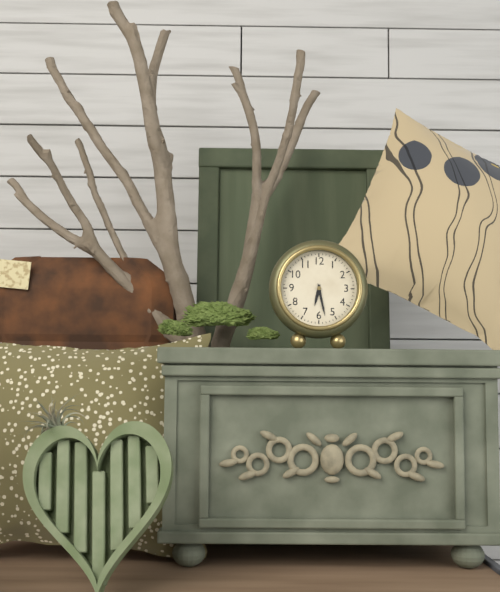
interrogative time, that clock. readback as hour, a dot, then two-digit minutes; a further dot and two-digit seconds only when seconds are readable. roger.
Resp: 6.28
